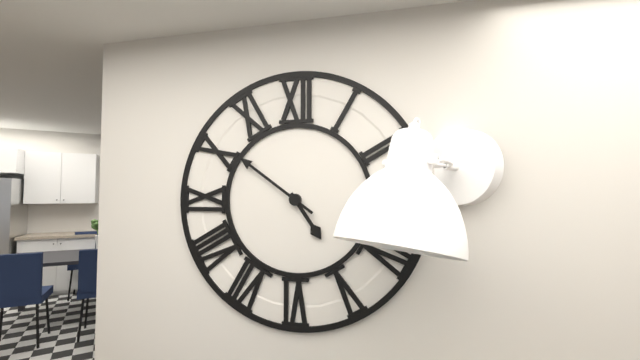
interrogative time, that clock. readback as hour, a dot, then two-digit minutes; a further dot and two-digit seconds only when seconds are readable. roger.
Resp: 4.51
